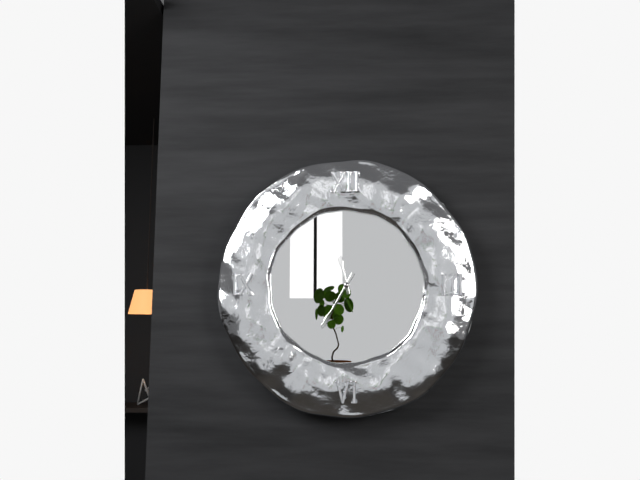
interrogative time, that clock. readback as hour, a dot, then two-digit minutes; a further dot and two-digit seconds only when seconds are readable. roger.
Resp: 11.35
